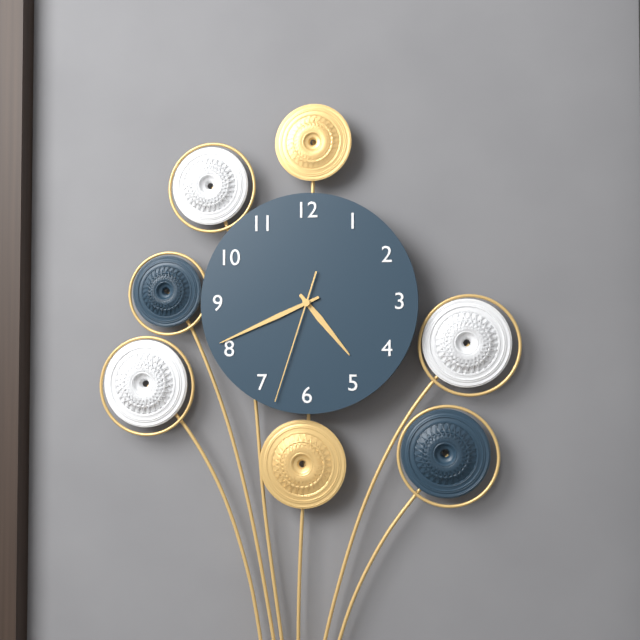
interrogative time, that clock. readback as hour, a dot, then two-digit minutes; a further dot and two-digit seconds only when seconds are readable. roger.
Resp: 4.41.33
